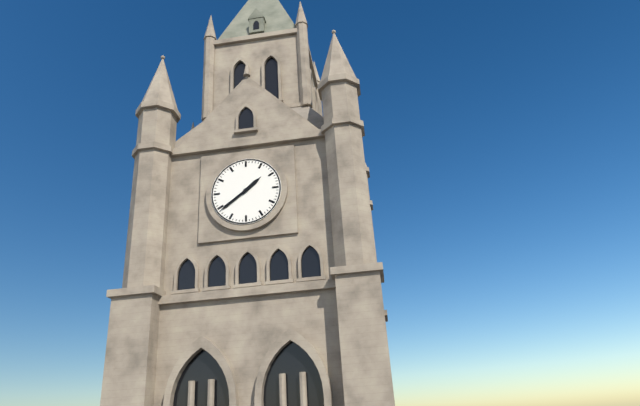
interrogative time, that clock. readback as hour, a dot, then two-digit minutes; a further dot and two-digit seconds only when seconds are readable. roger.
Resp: 1.39
